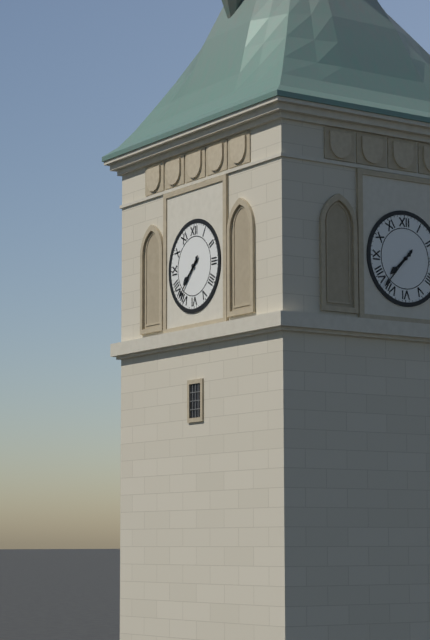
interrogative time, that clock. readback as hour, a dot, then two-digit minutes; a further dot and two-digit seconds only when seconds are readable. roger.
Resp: 7.37
